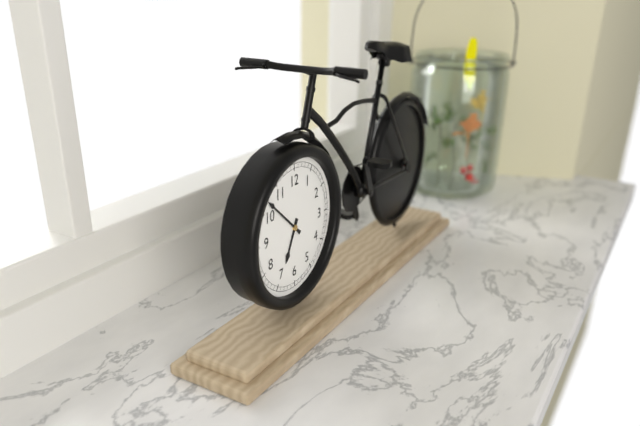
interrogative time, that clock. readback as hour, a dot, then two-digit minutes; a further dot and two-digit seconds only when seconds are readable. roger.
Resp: 6.52
